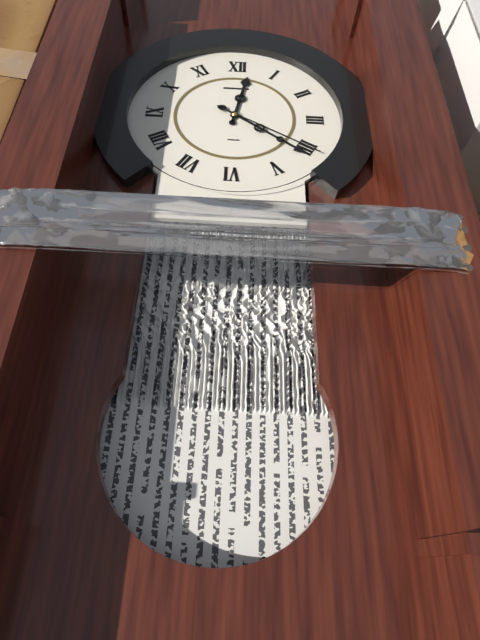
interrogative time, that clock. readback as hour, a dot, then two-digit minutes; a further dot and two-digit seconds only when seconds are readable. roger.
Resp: 12.21.20
